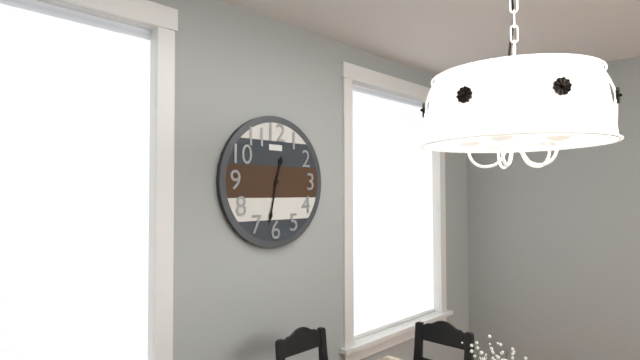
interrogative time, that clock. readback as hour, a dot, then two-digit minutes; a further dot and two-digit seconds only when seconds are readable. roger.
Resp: 12.32
